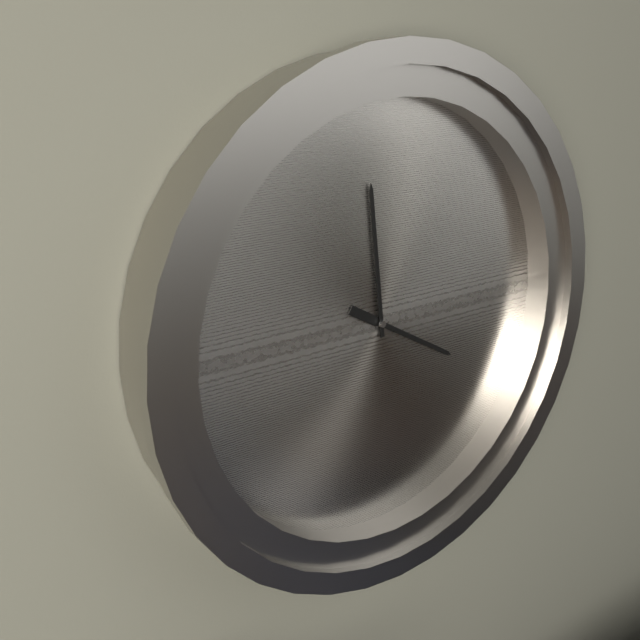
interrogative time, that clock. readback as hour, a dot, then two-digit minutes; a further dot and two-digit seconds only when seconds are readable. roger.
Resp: 3.59
